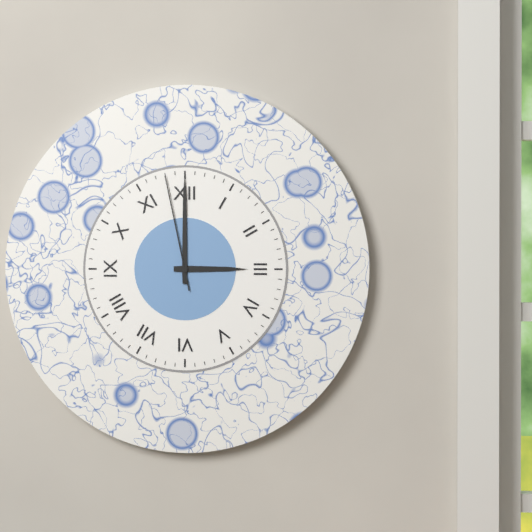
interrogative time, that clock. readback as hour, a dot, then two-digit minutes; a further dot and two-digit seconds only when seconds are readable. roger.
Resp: 3.00.58
